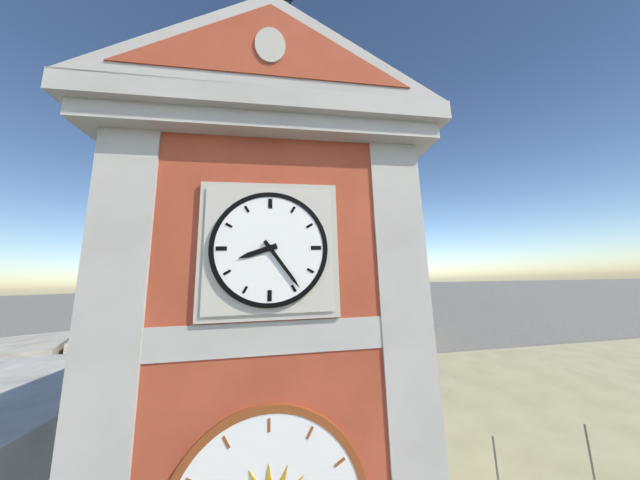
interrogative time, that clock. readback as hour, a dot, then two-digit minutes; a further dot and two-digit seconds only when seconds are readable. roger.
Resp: 8.24
